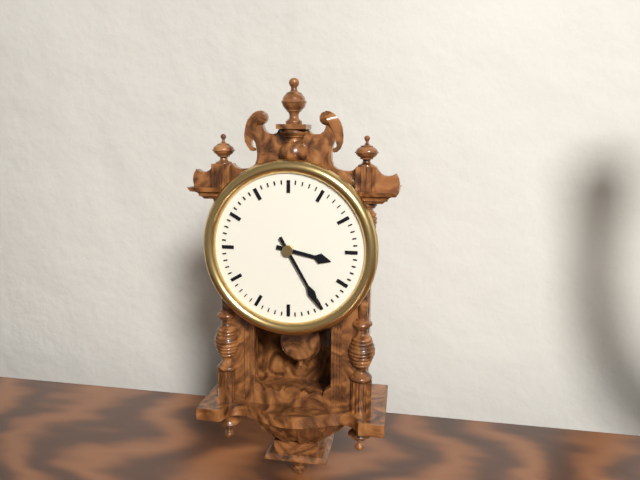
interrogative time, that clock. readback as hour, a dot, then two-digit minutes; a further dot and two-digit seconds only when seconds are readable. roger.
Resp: 3.25
